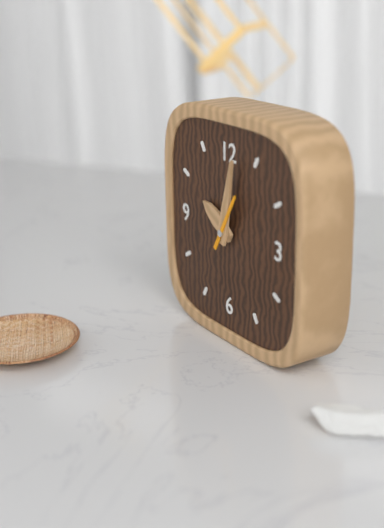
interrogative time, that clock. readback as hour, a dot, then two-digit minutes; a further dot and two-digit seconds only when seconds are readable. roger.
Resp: 10.02
